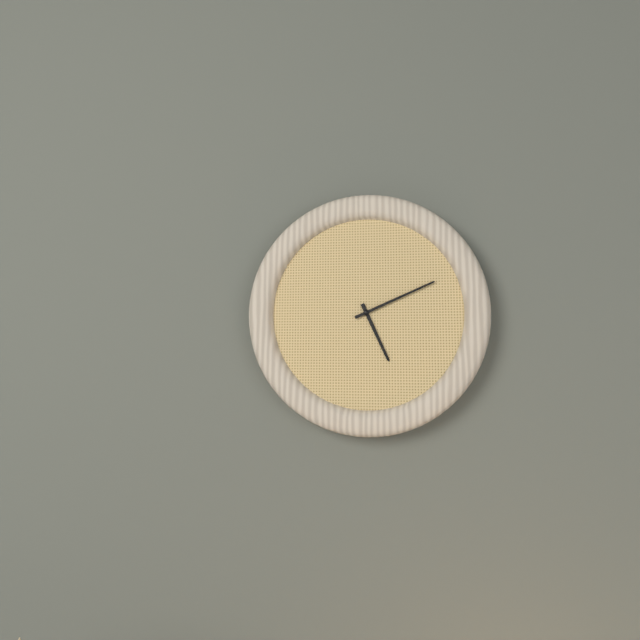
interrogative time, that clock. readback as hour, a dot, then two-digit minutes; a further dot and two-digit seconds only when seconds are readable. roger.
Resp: 5.11
